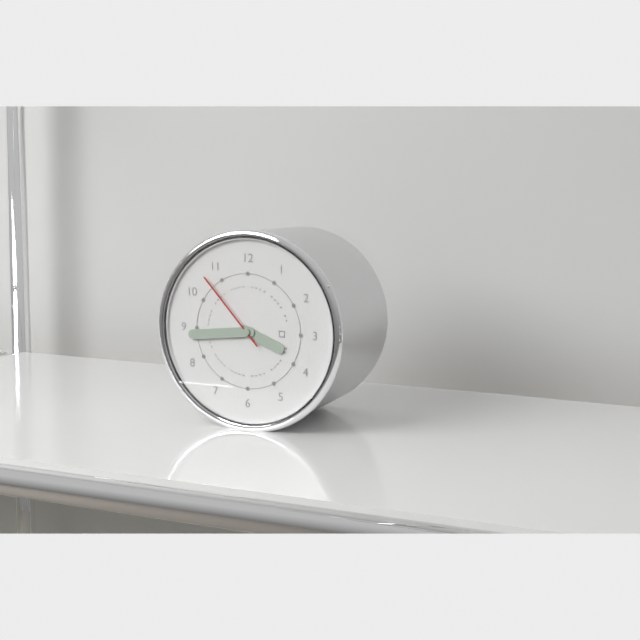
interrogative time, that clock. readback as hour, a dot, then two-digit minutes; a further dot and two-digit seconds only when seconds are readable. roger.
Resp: 3.44.53
